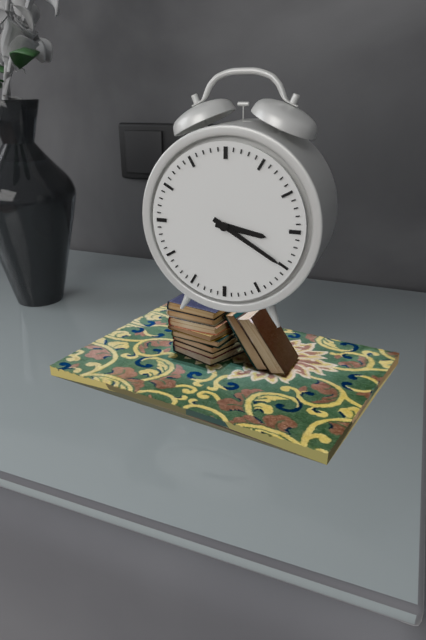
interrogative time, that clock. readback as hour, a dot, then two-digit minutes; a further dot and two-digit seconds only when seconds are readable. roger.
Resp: 3.20
